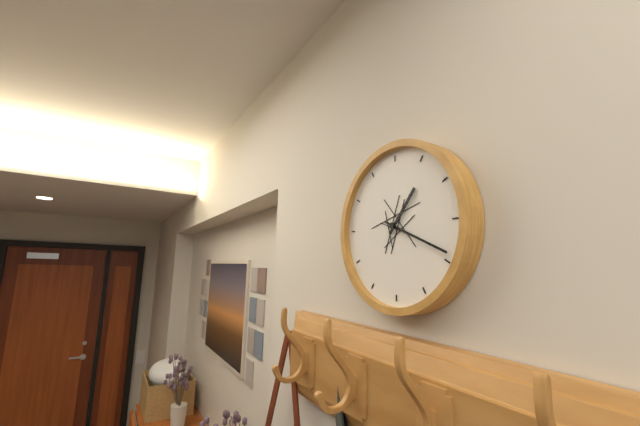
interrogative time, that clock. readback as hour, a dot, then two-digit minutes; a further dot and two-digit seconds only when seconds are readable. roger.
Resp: 1.19
